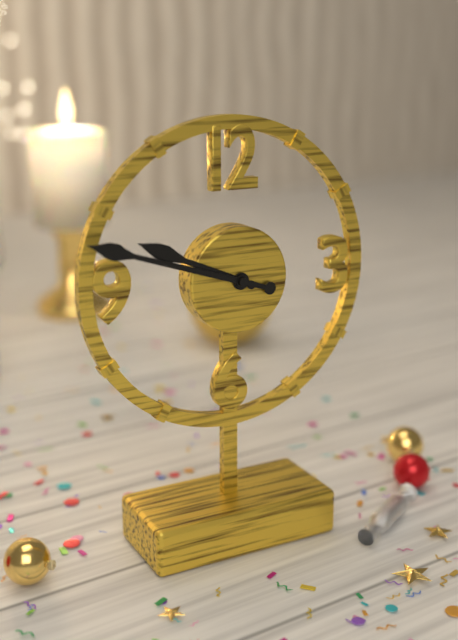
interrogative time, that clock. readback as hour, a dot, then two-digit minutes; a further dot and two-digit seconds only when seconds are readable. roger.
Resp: 9.48
